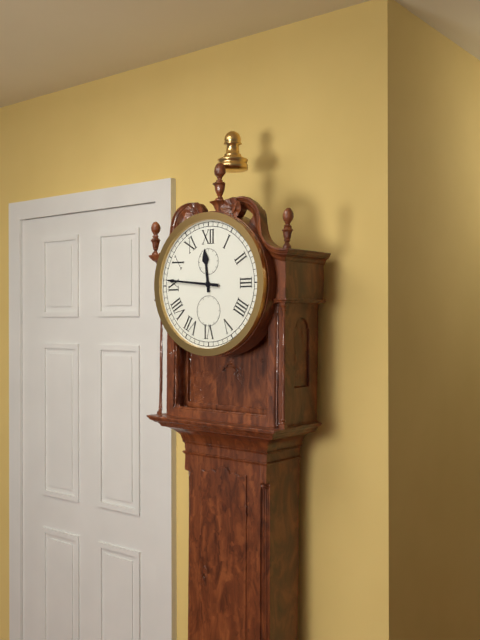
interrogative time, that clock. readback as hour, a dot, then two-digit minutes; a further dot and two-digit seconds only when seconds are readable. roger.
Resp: 11.46
